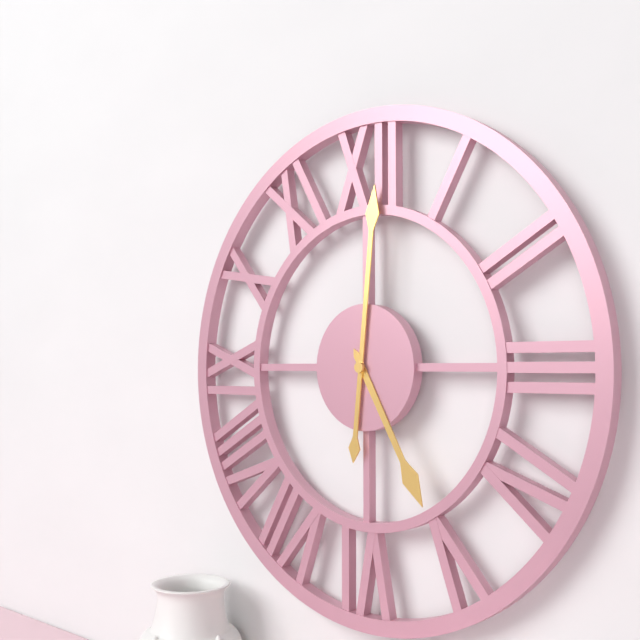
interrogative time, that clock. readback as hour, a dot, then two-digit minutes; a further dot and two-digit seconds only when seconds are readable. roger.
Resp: 5.01
